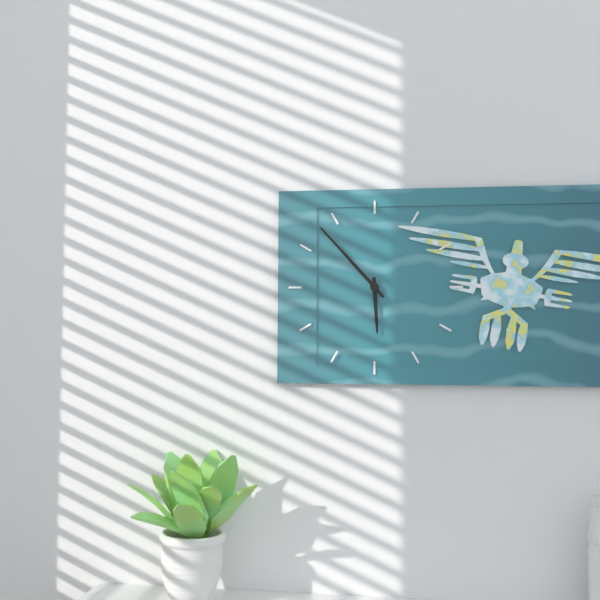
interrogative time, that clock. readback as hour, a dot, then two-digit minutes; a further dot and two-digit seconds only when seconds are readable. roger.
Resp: 5.53
